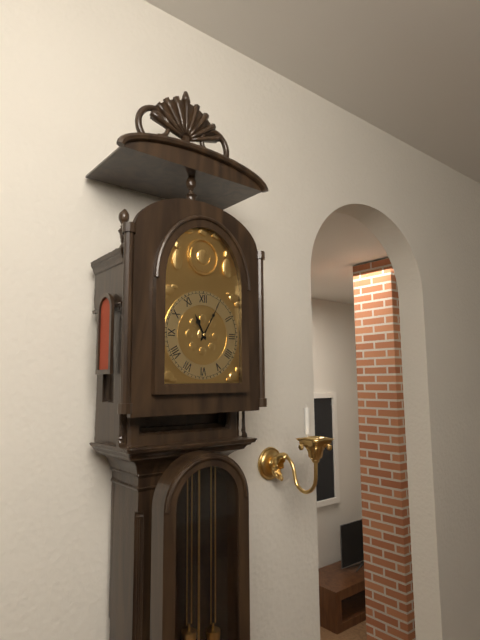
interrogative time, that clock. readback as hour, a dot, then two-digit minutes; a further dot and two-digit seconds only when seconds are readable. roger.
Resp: 11.05
